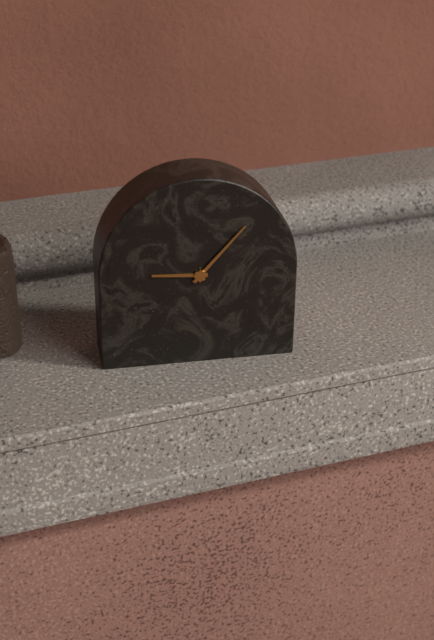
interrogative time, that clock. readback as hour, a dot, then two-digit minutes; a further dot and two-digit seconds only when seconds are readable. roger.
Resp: 9.07
